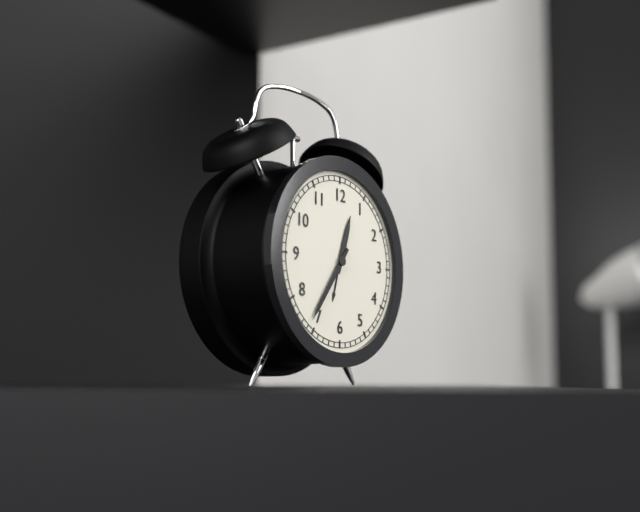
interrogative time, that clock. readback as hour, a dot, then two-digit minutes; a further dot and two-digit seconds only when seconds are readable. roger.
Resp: 12.36
